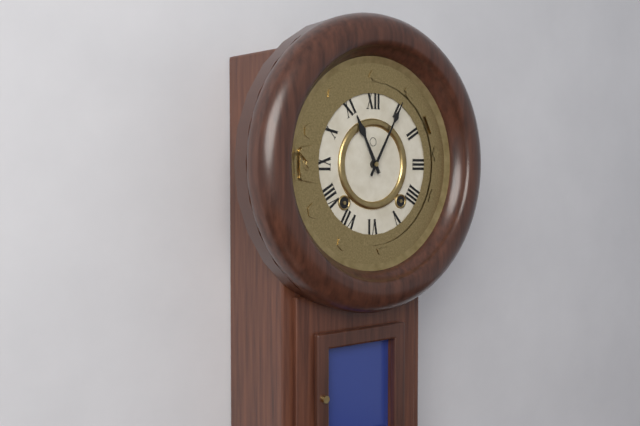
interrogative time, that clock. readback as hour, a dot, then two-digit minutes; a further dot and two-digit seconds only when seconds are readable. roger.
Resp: 11.05
